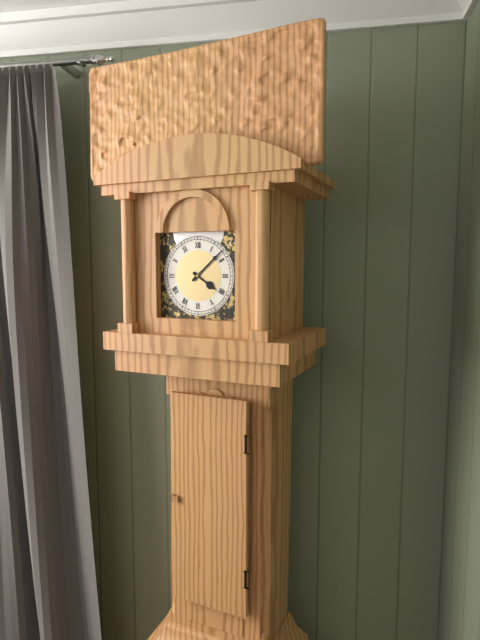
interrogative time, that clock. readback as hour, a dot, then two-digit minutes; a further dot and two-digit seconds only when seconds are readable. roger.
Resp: 4.08
